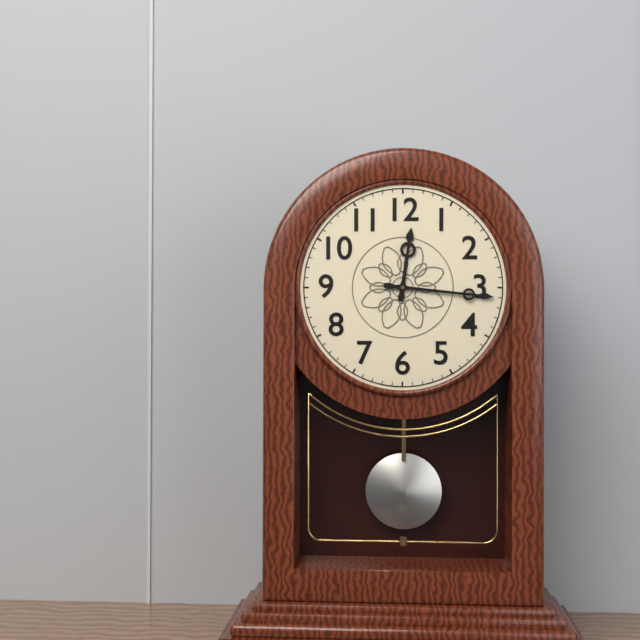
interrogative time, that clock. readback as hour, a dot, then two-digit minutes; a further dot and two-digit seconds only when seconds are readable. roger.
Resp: 12.16
